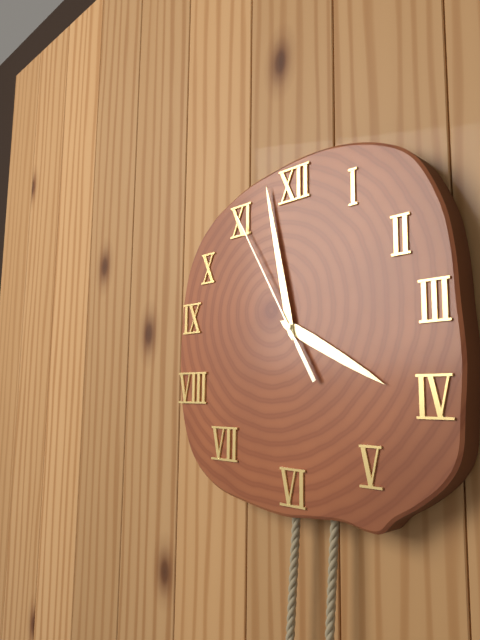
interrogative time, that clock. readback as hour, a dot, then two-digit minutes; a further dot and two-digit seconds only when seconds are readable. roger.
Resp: 3.58.55
